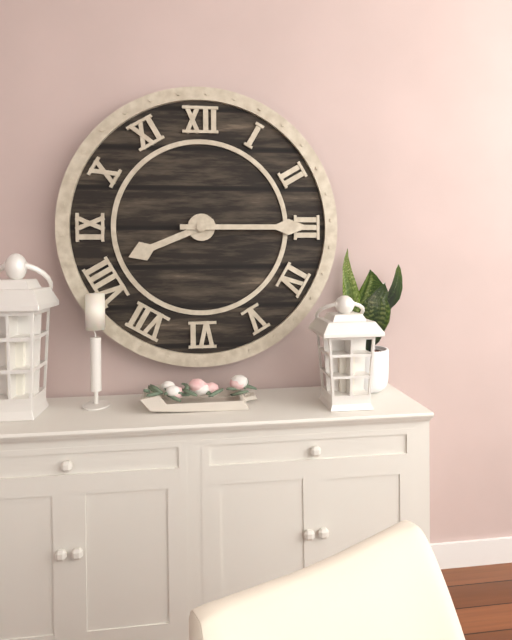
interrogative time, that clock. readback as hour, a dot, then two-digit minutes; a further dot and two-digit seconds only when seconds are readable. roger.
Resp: 8.15
